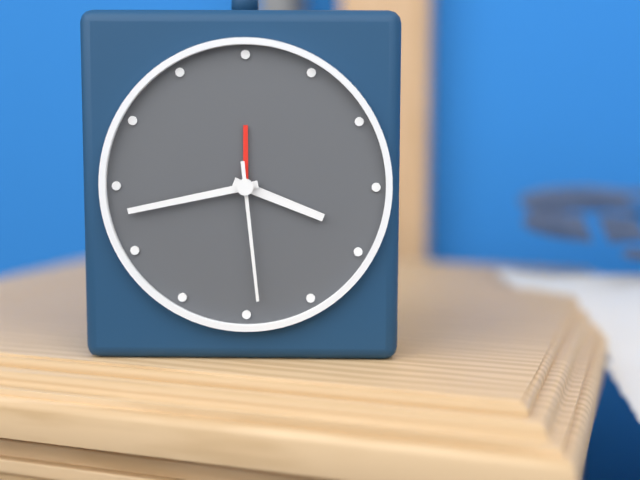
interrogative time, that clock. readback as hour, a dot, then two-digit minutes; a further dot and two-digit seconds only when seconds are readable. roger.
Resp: 3.43.29
